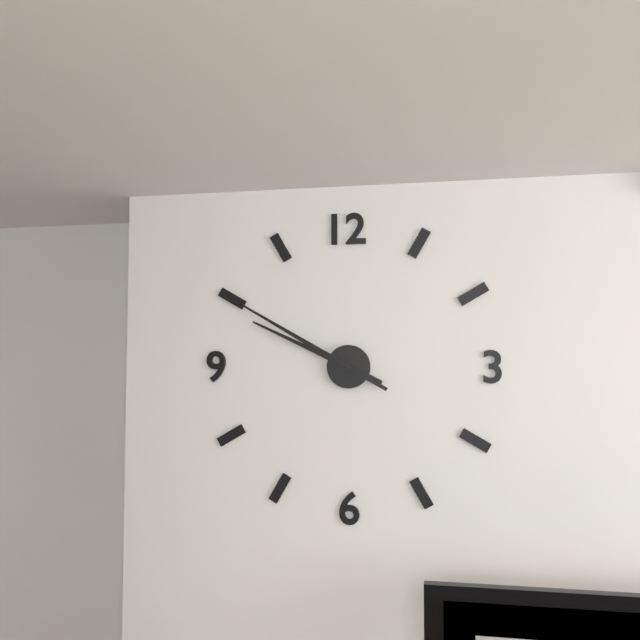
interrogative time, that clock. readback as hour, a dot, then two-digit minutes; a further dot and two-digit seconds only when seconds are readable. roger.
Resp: 9.50
